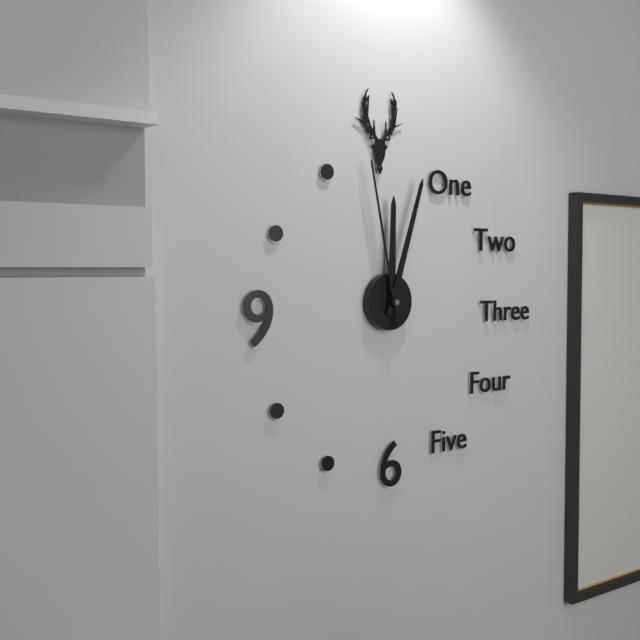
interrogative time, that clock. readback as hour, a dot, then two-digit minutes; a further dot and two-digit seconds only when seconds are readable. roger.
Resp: 12.03.58
